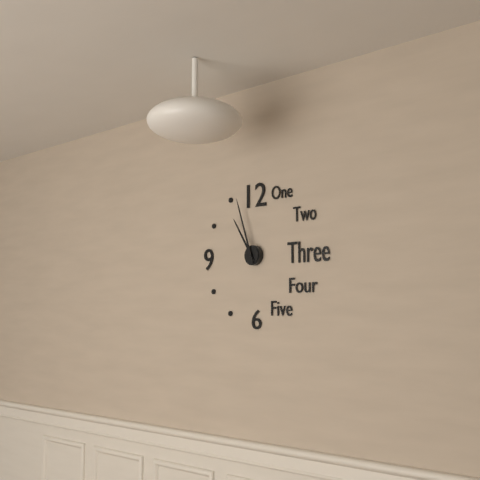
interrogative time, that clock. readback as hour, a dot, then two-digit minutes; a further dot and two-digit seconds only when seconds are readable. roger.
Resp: 10.57
